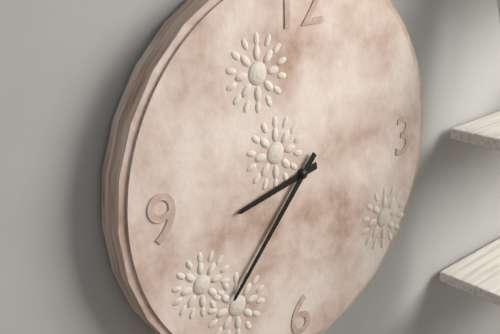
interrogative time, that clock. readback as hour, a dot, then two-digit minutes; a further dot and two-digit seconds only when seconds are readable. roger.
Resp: 8.37
